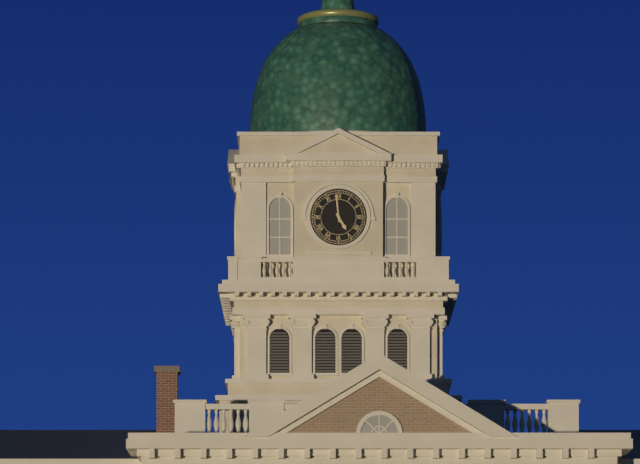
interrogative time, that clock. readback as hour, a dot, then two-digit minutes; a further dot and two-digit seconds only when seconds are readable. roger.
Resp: 4.59
